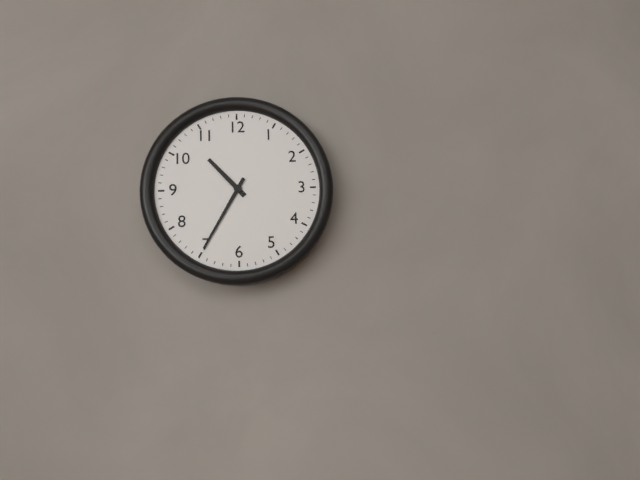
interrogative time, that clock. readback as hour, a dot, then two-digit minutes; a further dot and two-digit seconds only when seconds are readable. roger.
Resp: 10.35
